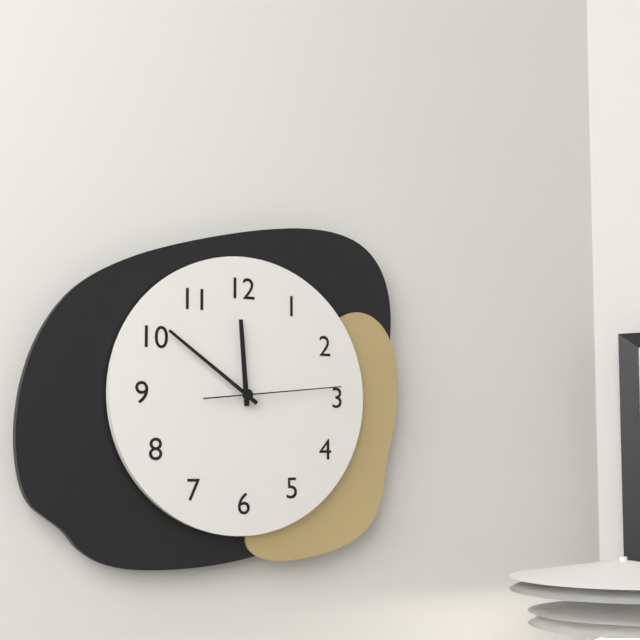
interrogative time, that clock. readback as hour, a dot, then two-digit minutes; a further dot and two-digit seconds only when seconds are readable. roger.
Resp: 11.51.14
